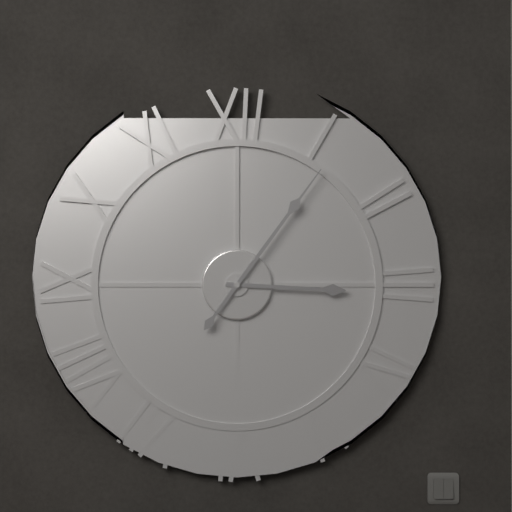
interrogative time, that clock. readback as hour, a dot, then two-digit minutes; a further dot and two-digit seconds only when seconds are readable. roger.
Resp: 3.06
